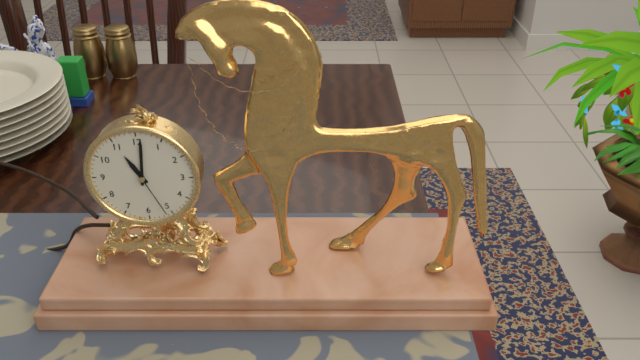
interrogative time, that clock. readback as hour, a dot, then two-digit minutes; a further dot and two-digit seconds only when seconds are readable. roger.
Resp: 11.01.26
